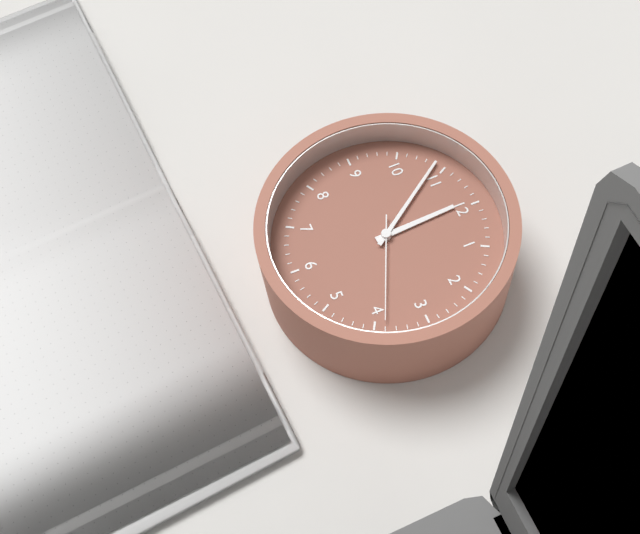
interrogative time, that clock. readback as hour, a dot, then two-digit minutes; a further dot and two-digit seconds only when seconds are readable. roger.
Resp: 11.54.19
